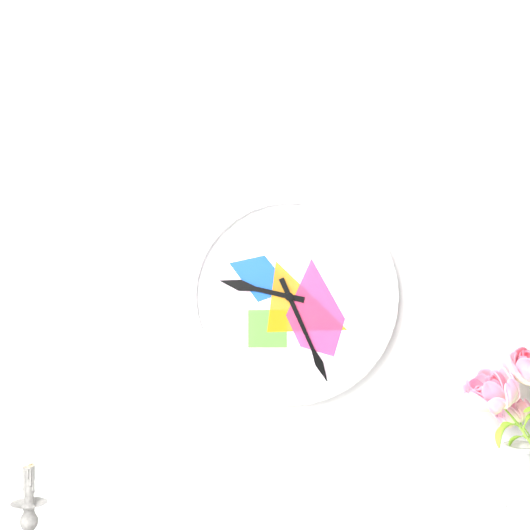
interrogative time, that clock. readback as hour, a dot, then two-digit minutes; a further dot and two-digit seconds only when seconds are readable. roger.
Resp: 9.26
